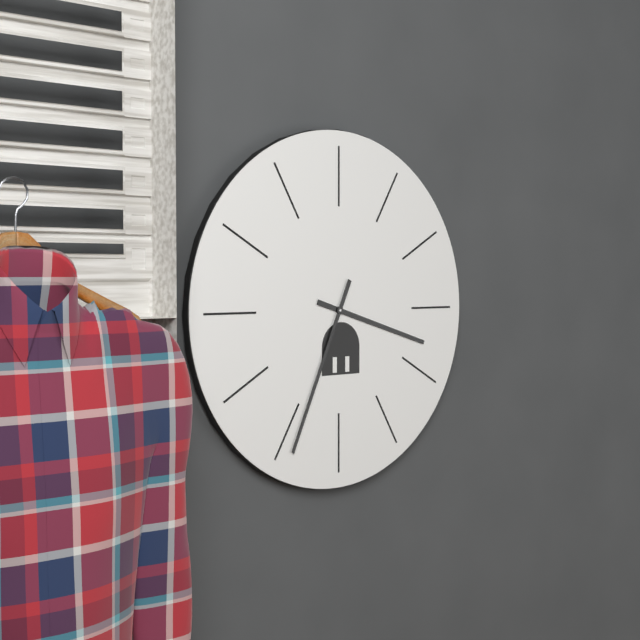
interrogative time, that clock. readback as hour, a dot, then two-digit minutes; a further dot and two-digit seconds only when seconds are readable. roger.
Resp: 3.34
